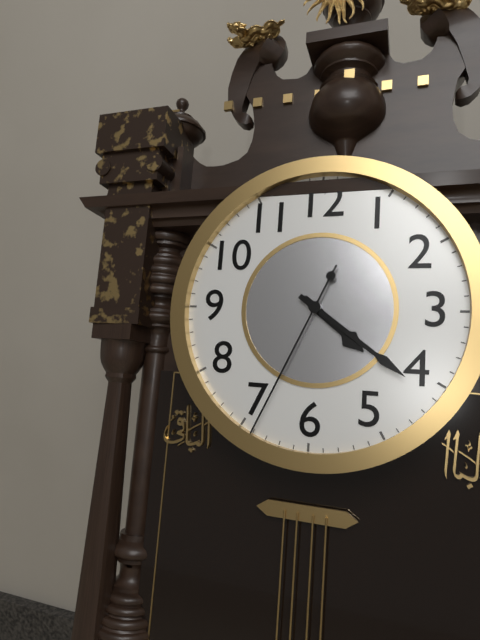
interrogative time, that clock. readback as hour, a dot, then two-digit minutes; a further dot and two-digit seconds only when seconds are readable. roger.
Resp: 4.21.34
